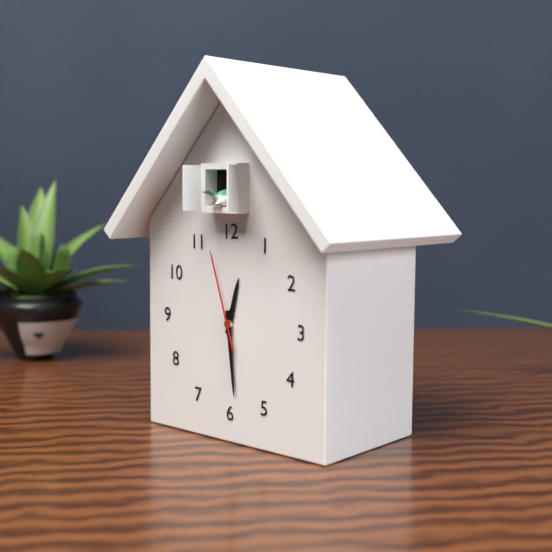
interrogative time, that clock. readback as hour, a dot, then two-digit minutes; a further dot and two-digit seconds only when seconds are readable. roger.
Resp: 12.29.57
